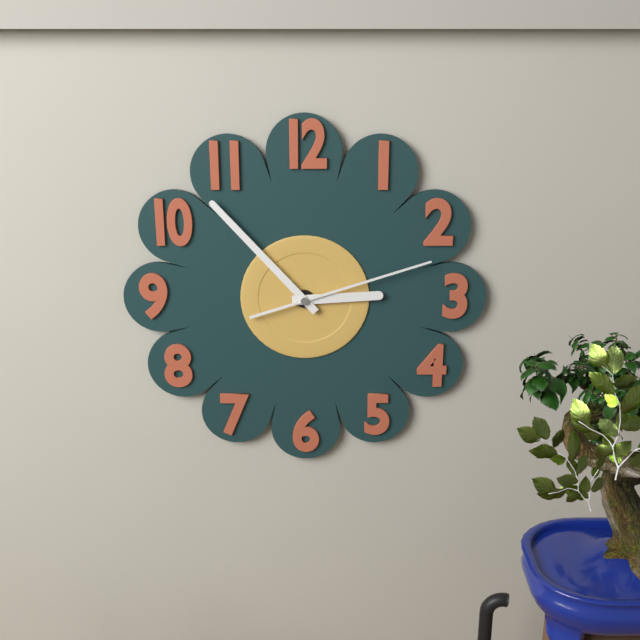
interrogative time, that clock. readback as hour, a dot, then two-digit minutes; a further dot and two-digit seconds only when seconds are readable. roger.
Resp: 2.53.12
